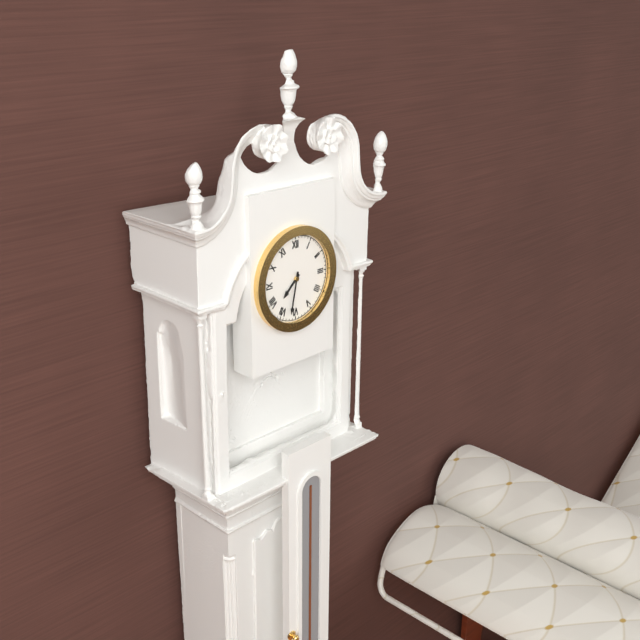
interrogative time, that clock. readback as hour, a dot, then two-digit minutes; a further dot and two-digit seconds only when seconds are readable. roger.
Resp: 7.32
